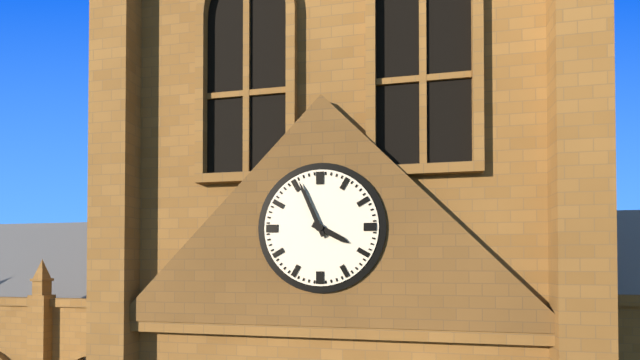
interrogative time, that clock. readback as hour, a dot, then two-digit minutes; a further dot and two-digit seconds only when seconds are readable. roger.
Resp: 3.56
